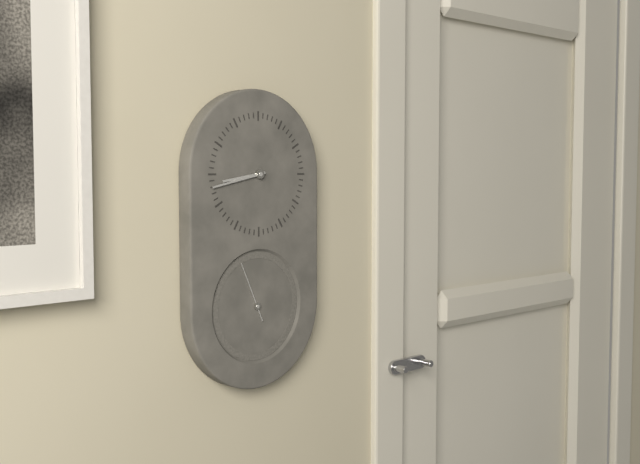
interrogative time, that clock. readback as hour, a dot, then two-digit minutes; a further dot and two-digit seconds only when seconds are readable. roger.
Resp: 8.43.56
